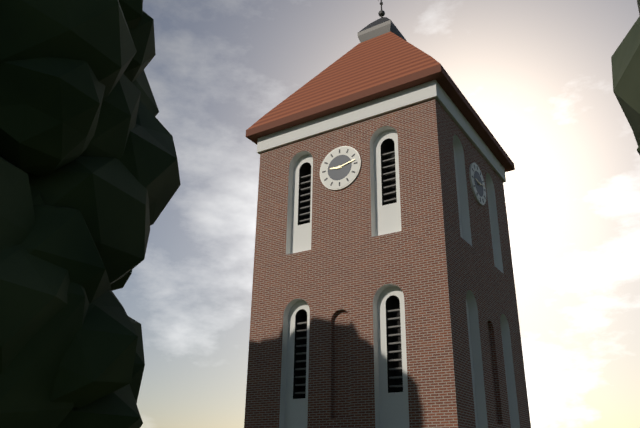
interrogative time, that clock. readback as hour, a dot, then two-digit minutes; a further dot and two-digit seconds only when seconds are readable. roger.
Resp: 9.13
